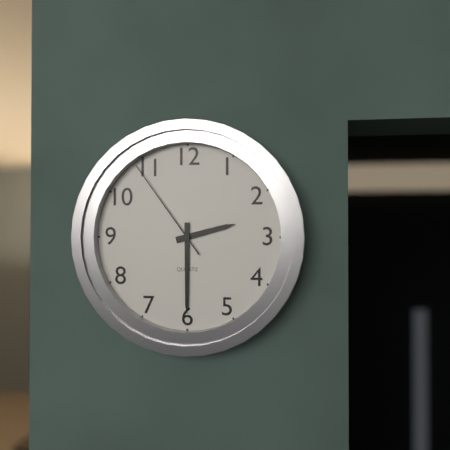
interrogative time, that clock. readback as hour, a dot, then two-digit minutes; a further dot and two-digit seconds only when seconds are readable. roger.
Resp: 2.30.54
